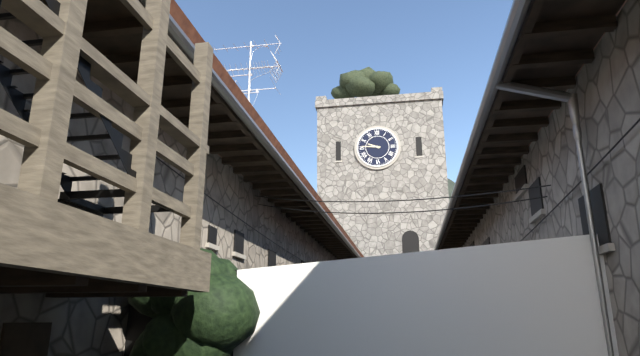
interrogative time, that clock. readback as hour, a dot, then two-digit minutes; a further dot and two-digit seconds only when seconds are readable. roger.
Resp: 9.46
